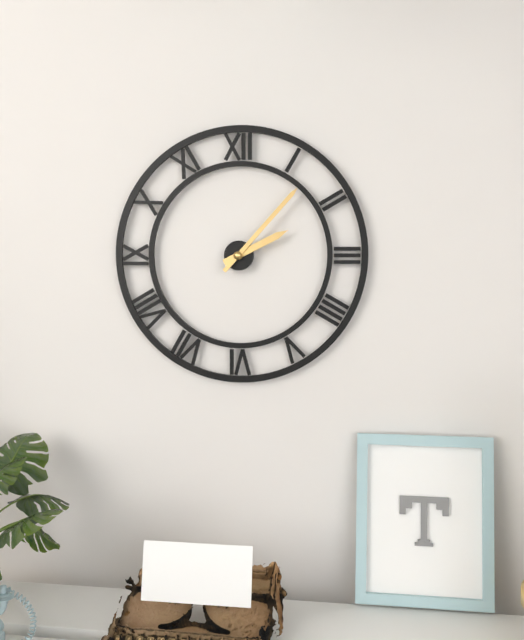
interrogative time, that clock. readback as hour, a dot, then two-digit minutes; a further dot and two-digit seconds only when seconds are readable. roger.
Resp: 2.07
